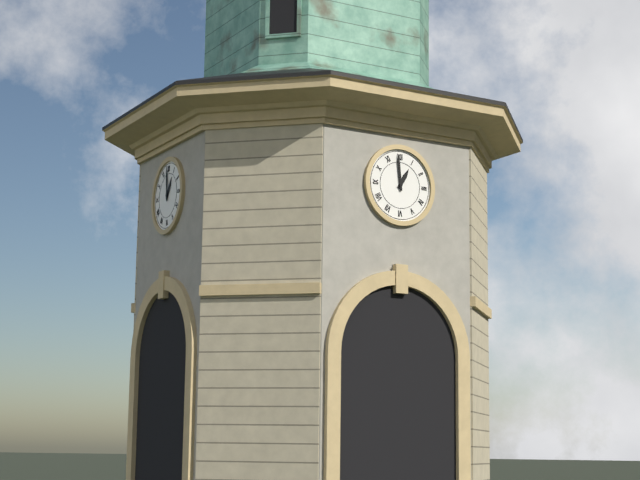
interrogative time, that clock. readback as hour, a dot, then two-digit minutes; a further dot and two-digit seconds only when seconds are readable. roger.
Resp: 12.59
